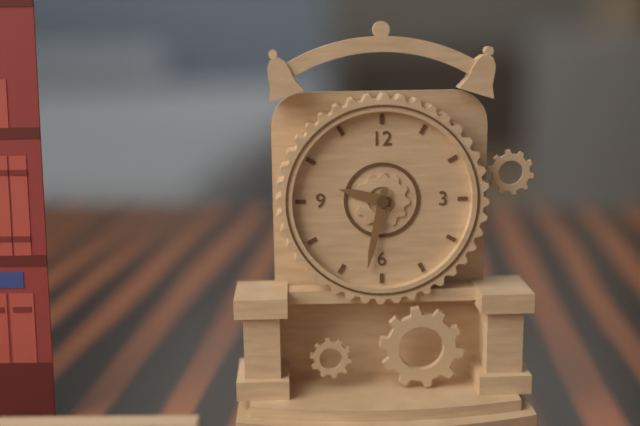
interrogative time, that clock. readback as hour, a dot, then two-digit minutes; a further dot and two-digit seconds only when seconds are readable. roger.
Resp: 9.32
